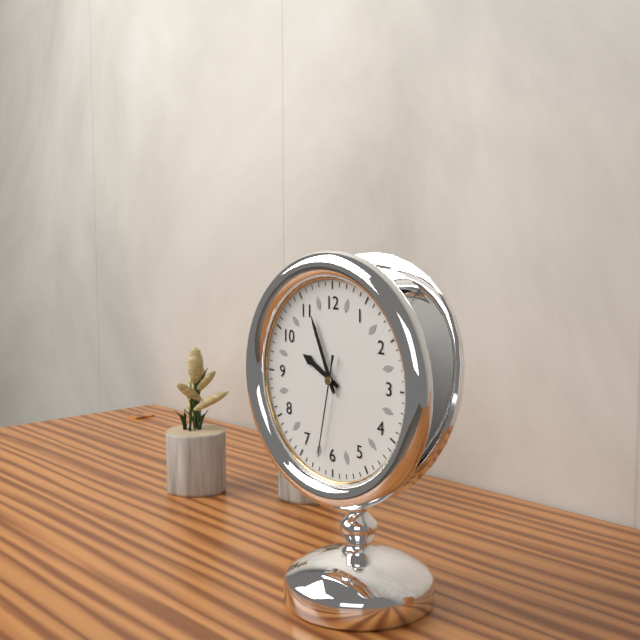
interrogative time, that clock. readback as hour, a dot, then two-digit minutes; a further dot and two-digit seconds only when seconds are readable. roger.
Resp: 9.56.32
